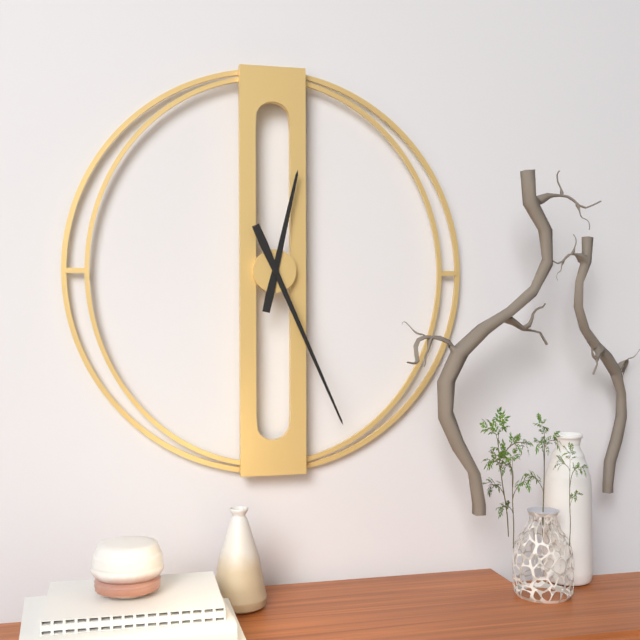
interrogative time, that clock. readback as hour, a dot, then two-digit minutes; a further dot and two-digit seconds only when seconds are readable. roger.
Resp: 12.26
